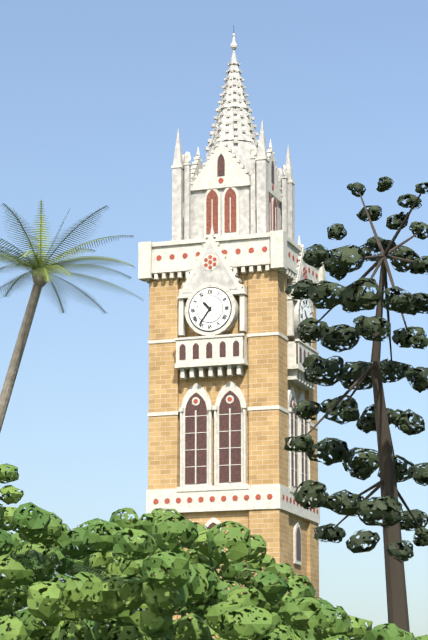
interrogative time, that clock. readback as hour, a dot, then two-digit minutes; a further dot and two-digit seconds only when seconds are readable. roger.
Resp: 10.36
